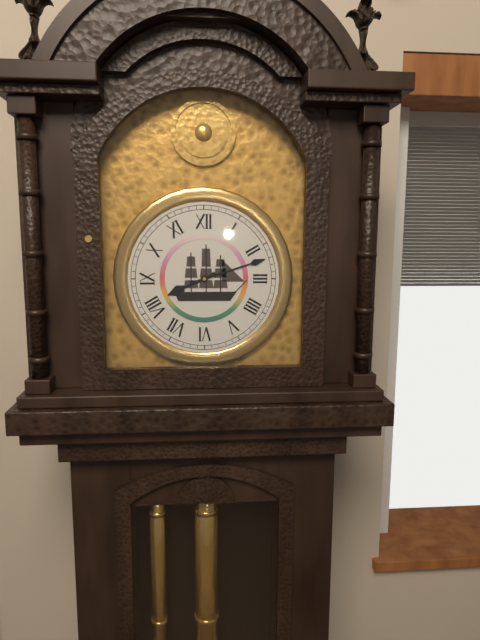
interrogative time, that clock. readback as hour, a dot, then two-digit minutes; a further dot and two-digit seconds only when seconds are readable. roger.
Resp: 8.12
